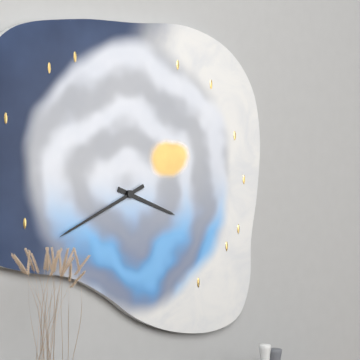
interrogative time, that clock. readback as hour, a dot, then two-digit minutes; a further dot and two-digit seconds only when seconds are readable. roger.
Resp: 3.41
